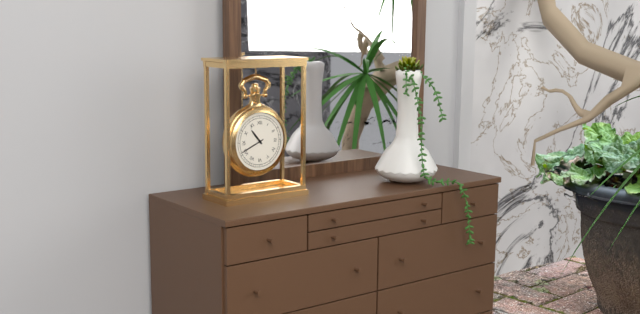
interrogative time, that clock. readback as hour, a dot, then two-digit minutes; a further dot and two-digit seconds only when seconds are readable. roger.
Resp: 10.41
